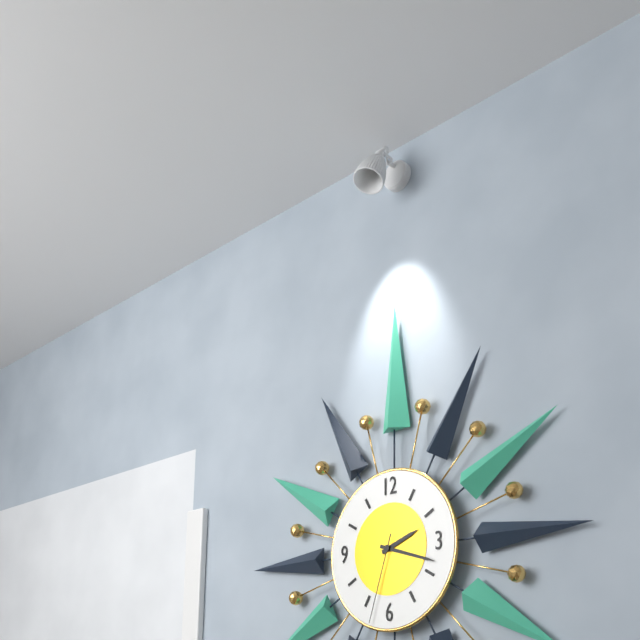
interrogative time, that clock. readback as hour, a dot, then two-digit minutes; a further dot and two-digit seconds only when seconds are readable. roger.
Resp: 2.18.33
